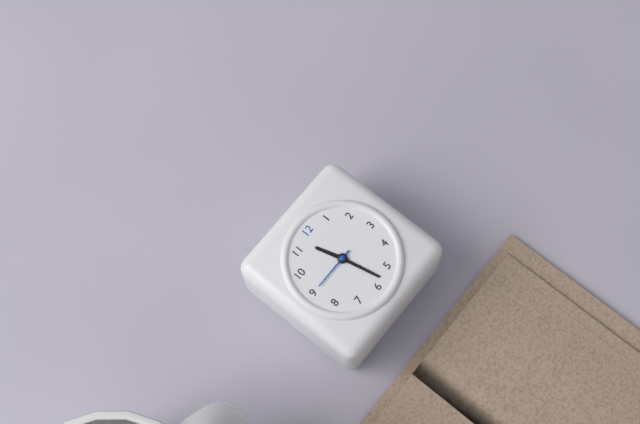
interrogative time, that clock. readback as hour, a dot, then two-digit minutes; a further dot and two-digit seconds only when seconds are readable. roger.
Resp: 11.28
